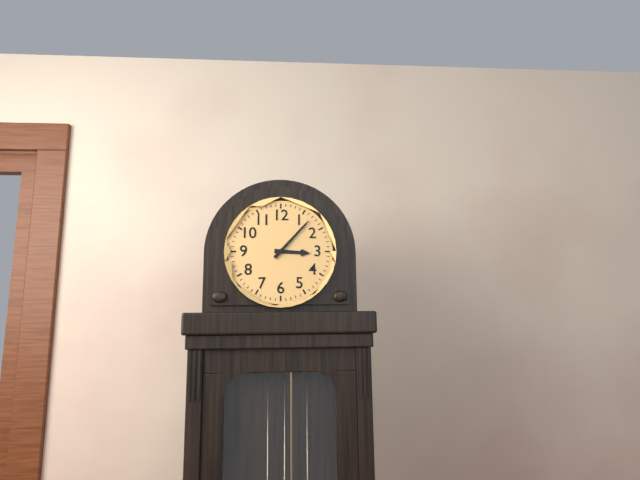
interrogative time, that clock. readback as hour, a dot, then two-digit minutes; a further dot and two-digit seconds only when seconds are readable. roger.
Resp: 3.07
